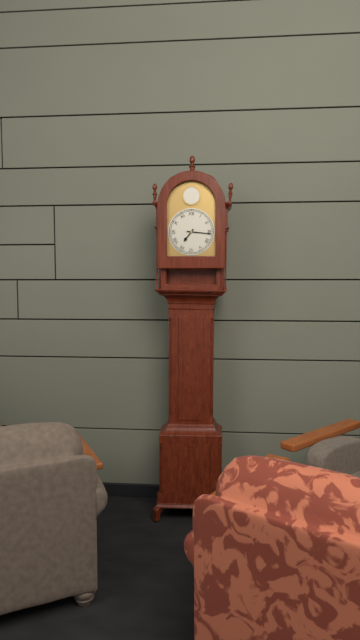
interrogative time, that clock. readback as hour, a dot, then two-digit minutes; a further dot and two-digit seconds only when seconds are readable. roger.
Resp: 7.16
